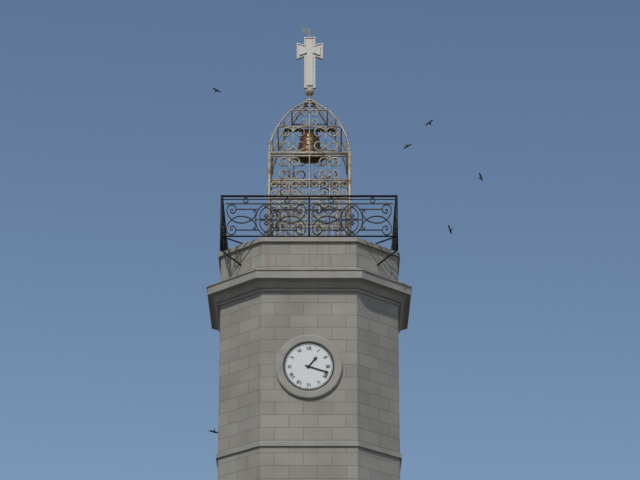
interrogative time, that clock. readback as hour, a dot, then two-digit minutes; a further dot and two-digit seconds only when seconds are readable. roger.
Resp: 1.18
